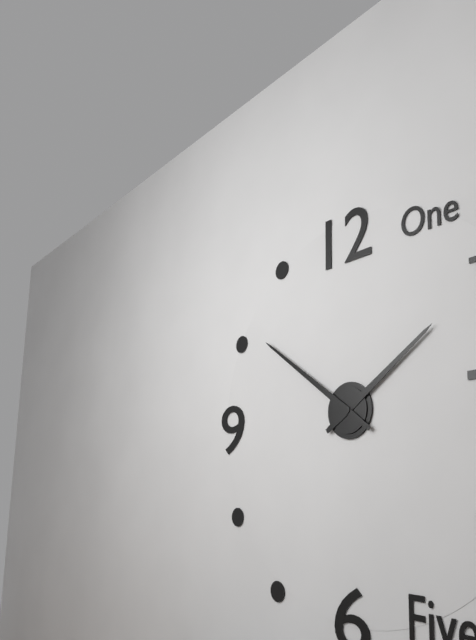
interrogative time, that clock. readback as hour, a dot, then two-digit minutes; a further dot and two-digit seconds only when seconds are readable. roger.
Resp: 1.51
